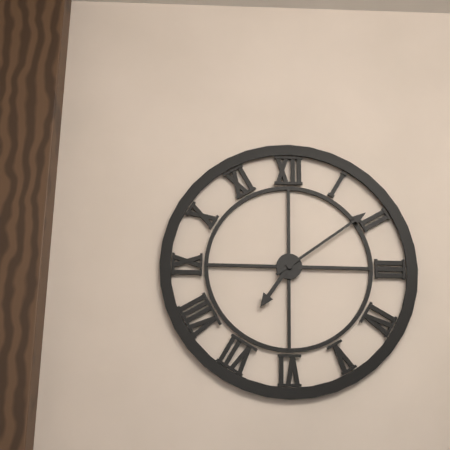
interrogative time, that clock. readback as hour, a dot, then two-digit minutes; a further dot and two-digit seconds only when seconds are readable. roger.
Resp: 7.09
